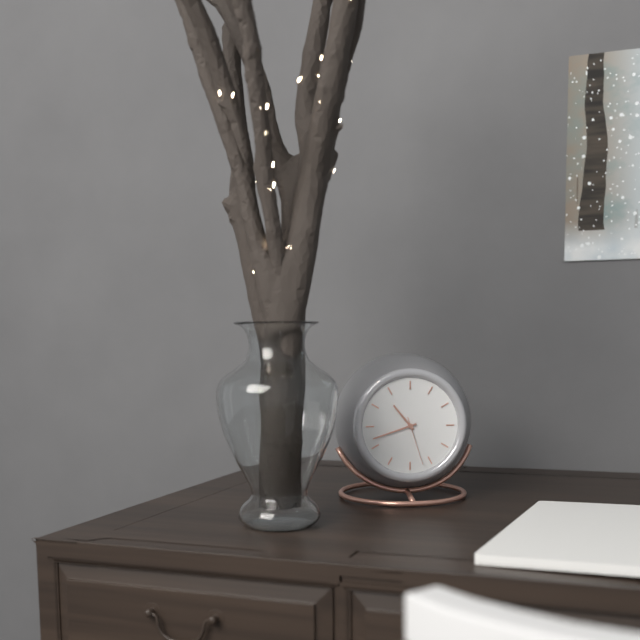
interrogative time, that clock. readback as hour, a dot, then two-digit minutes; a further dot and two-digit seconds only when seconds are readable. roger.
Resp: 10.42.27
